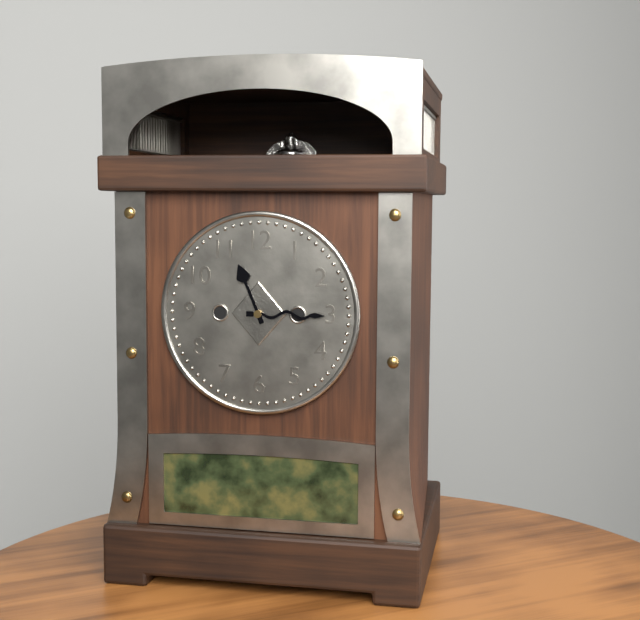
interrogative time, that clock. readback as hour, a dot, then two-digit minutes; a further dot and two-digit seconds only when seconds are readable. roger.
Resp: 11.15
